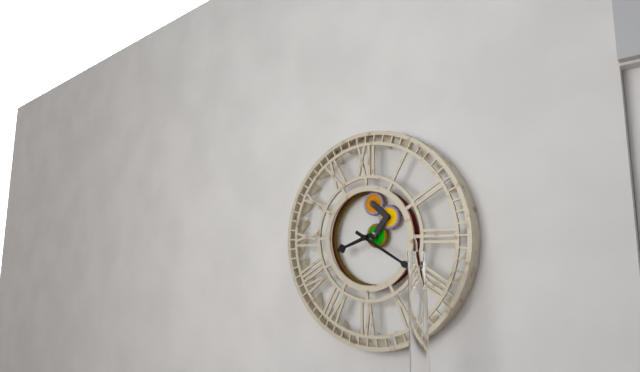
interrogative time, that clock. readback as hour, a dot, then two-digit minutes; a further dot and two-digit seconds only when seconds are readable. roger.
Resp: 8.20
